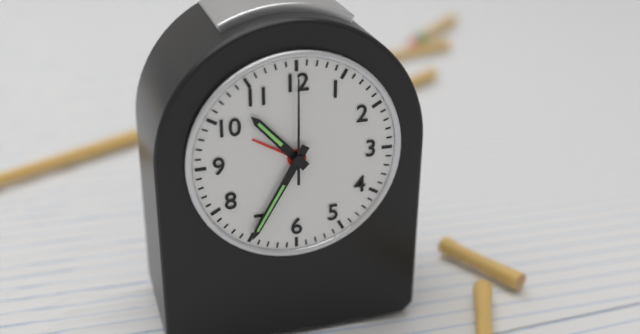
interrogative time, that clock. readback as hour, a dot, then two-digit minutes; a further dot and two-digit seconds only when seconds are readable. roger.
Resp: 10.35.00
